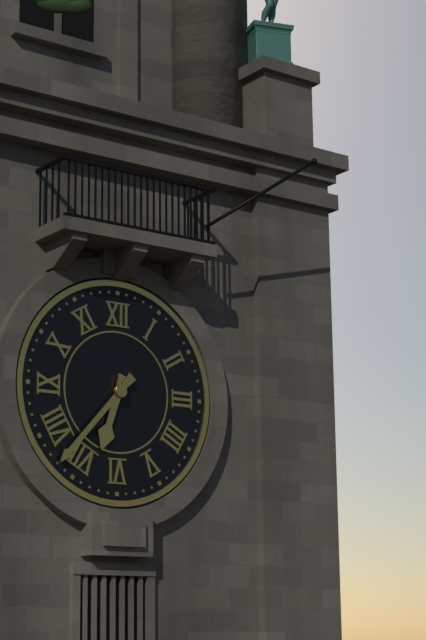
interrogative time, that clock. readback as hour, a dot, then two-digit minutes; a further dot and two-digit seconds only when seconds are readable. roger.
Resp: 6.37
